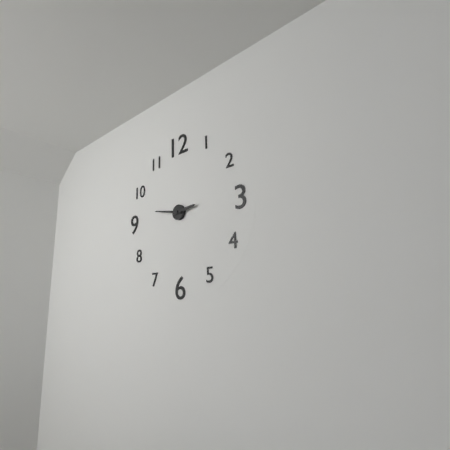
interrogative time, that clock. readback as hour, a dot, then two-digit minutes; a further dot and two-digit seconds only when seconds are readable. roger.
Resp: 2.47
